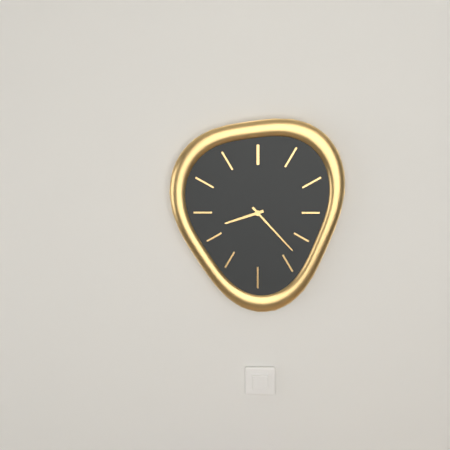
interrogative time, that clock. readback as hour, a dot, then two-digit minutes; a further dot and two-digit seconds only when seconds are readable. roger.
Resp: 8.23
